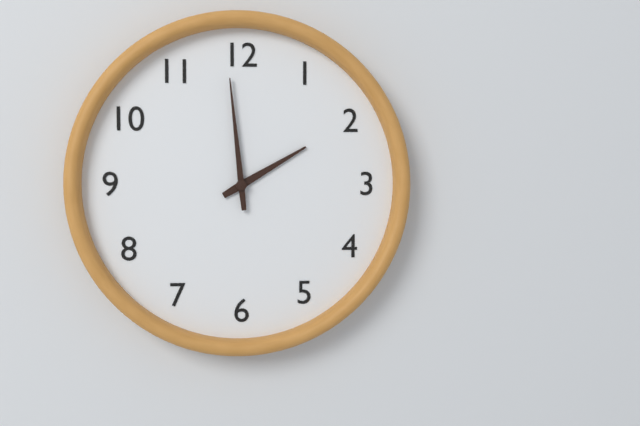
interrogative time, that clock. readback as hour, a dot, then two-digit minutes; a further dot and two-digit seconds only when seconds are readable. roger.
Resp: 1.59
